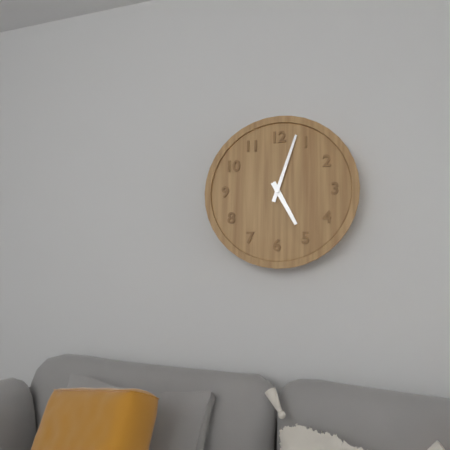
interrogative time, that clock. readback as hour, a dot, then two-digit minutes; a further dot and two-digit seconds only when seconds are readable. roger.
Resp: 5.03
